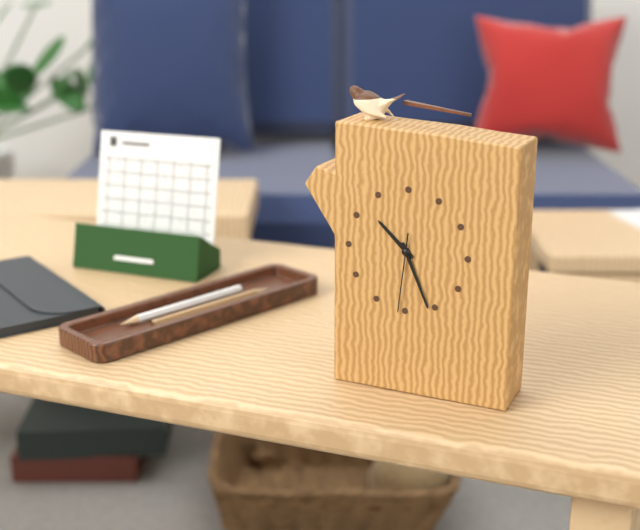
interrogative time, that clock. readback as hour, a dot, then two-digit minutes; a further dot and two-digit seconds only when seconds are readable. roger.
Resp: 10.26.31
